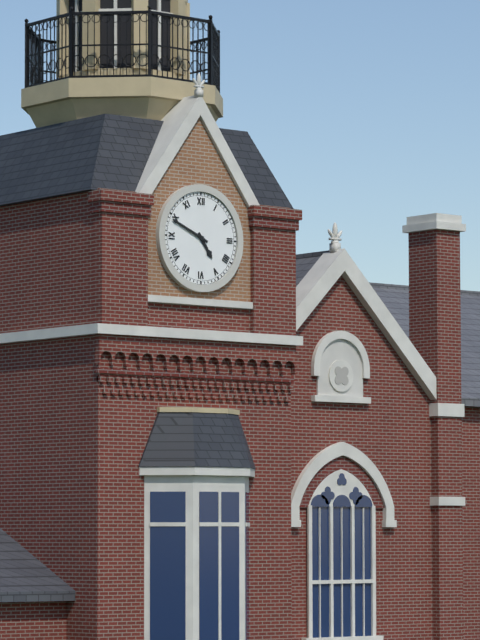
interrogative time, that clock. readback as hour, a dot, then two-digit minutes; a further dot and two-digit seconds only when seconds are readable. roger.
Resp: 4.49
